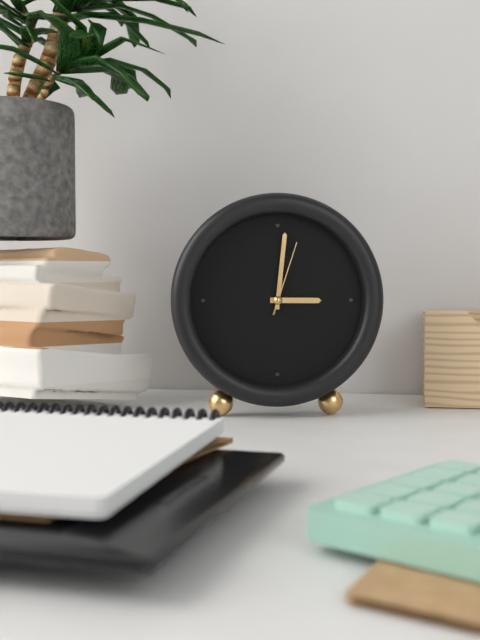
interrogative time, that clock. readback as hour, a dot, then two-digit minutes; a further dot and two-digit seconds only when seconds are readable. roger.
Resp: 3.01.03
